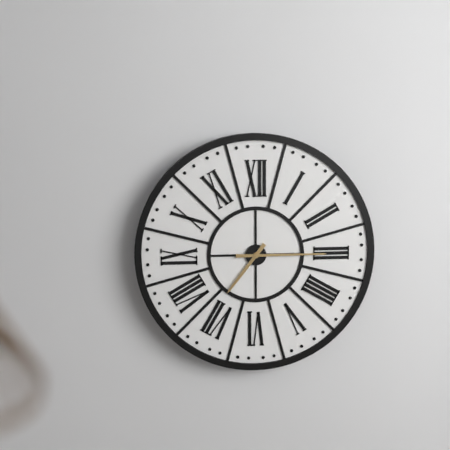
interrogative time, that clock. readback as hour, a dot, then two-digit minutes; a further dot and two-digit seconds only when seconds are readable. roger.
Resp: 7.15
